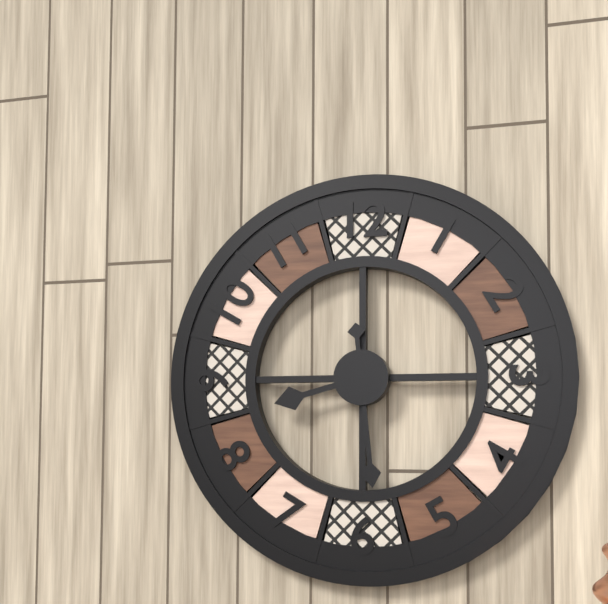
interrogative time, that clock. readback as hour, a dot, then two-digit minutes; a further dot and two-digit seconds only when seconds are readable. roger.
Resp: 8.29
